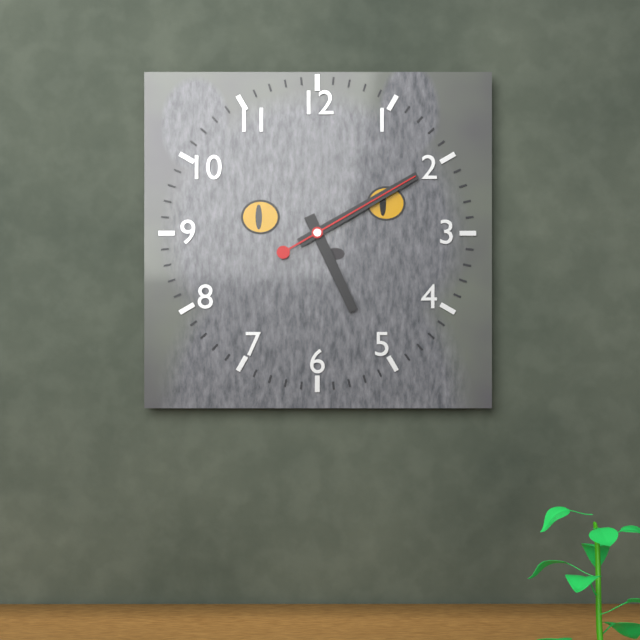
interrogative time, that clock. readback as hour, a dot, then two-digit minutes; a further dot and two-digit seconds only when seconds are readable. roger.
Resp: 5.10.10
